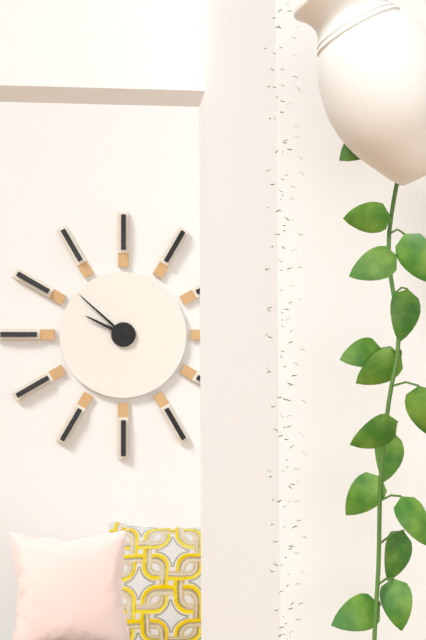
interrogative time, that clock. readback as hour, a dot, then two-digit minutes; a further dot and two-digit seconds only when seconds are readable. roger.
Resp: 9.52
